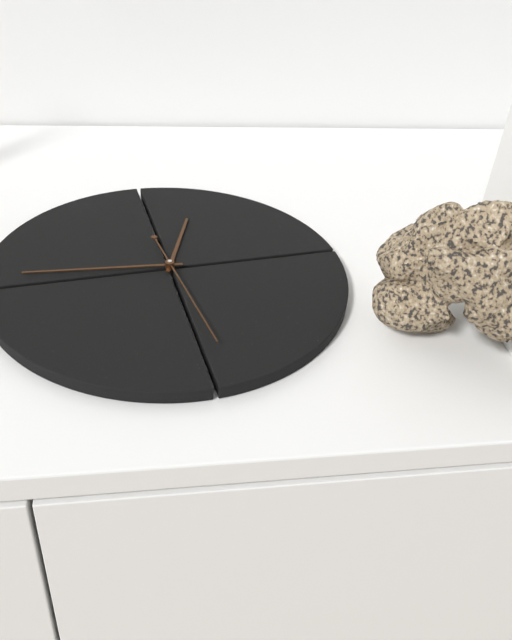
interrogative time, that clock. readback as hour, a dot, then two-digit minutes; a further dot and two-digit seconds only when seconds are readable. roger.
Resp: 12.46.29
